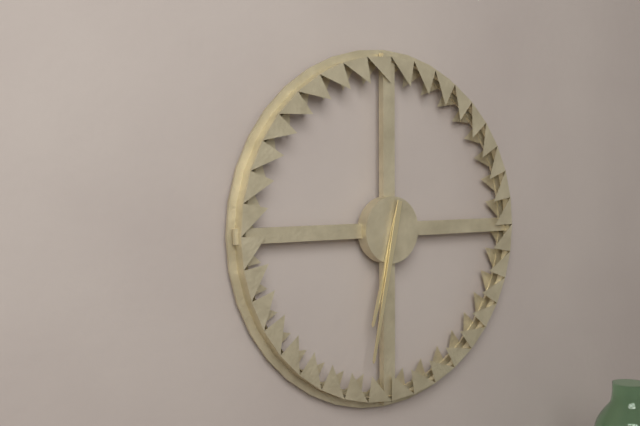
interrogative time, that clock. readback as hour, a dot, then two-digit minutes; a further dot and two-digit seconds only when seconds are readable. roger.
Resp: 6.32
